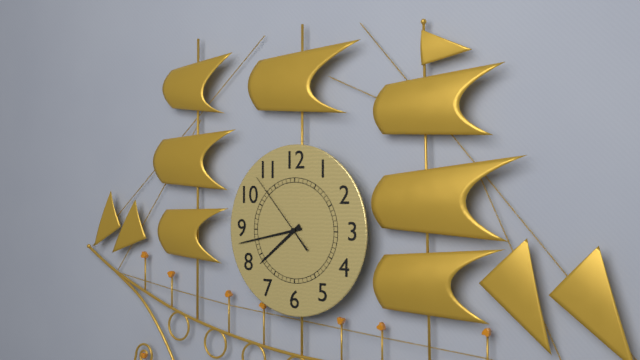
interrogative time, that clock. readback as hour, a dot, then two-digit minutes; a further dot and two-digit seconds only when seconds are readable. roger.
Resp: 7.43.53
